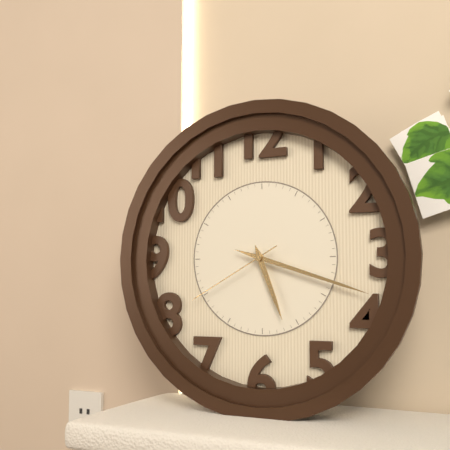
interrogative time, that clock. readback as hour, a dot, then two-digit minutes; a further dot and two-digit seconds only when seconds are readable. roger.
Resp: 5.18.40
